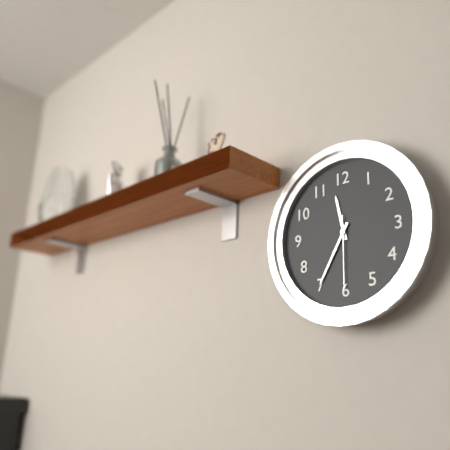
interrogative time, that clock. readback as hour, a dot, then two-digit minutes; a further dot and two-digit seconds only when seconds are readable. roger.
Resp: 11.35.30
